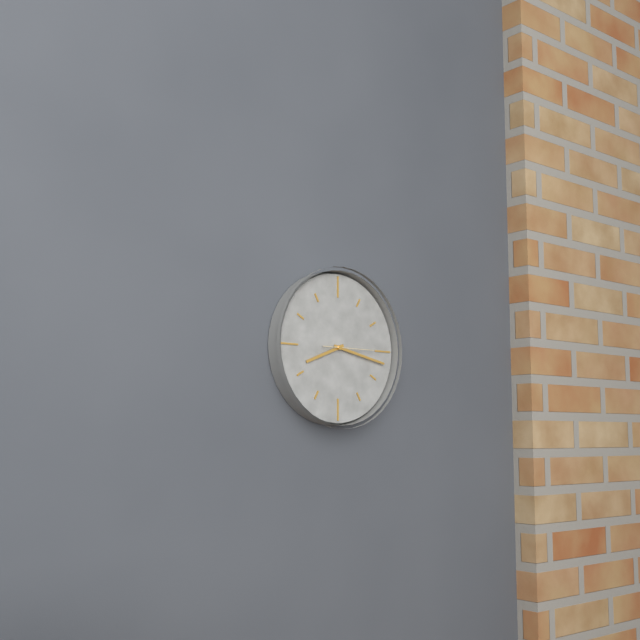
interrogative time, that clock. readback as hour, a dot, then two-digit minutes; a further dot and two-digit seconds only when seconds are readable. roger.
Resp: 8.17
